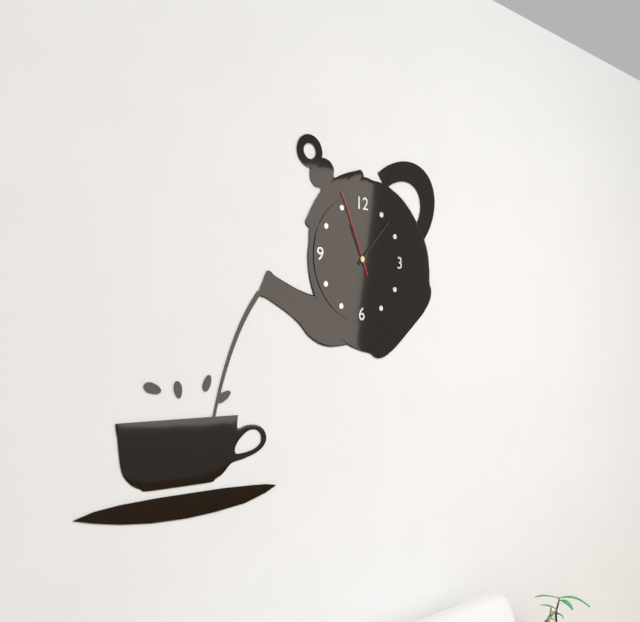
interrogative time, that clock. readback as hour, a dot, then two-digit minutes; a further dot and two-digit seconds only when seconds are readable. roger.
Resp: 11.07.56
